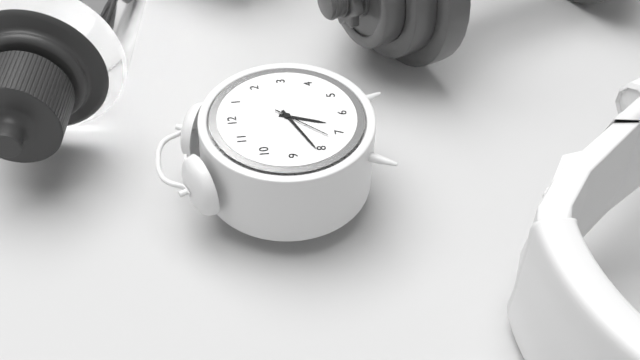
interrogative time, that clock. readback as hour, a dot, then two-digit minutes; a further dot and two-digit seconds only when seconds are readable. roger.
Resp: 6.41.37
